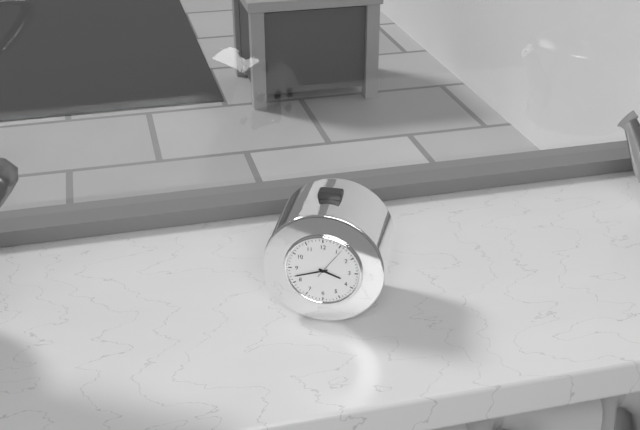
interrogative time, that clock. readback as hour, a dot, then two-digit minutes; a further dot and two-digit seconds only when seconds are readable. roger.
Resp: 3.42
